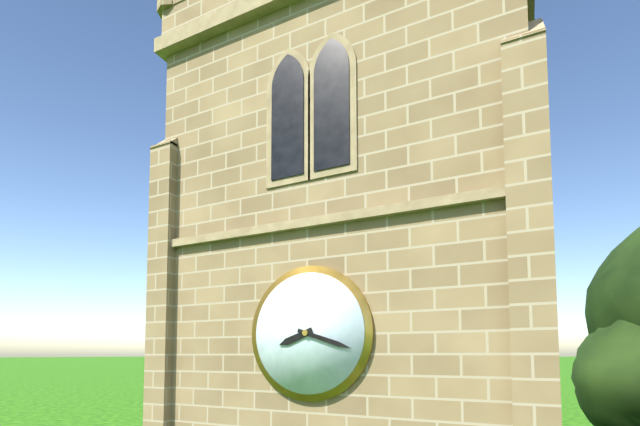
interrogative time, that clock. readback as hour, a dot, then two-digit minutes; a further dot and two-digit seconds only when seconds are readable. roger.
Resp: 8.18
